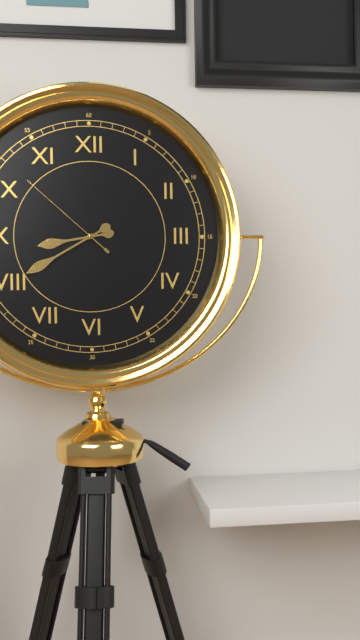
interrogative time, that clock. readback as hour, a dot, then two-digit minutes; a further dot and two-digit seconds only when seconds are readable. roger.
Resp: 8.40.52
